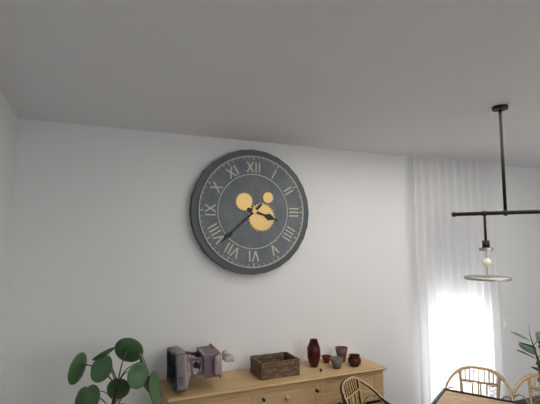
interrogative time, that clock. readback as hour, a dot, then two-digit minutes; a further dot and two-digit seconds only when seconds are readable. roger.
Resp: 3.38
